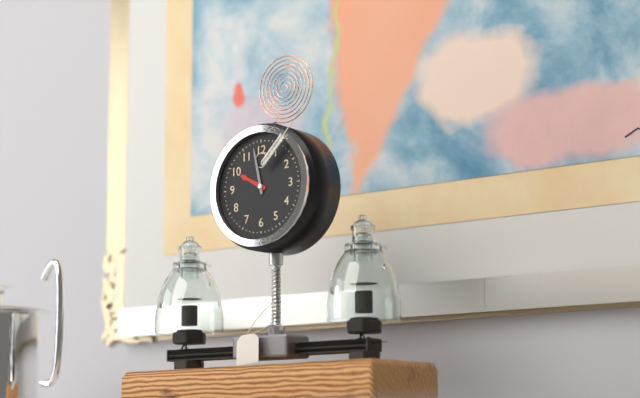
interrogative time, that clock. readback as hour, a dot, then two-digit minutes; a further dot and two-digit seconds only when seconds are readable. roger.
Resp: 9.58
